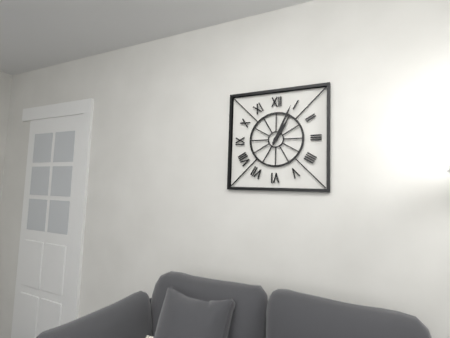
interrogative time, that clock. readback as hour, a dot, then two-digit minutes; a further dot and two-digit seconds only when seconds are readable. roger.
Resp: 1.04
